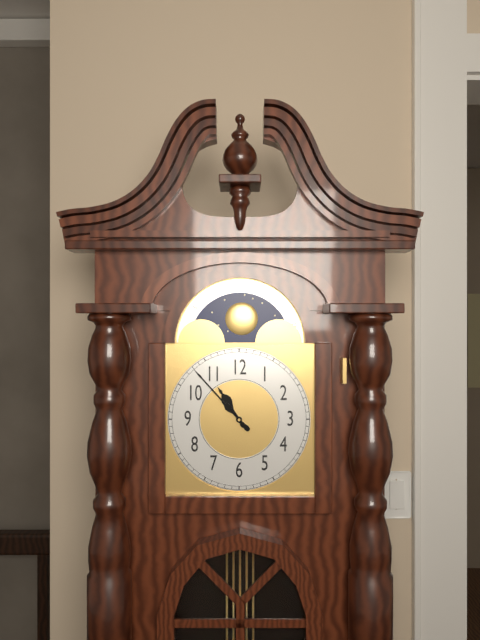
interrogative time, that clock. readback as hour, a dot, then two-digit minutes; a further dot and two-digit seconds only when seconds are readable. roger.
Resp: 10.53
